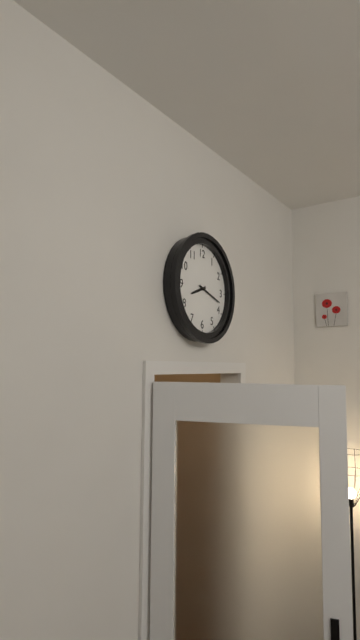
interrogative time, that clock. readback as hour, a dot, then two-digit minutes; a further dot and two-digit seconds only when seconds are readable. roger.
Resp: 8.18
